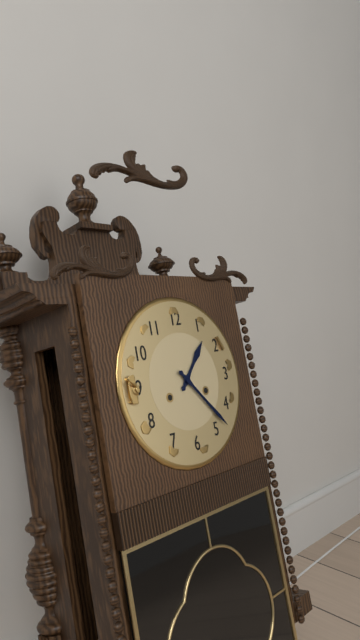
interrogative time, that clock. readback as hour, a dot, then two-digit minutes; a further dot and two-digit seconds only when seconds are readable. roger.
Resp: 1.23
